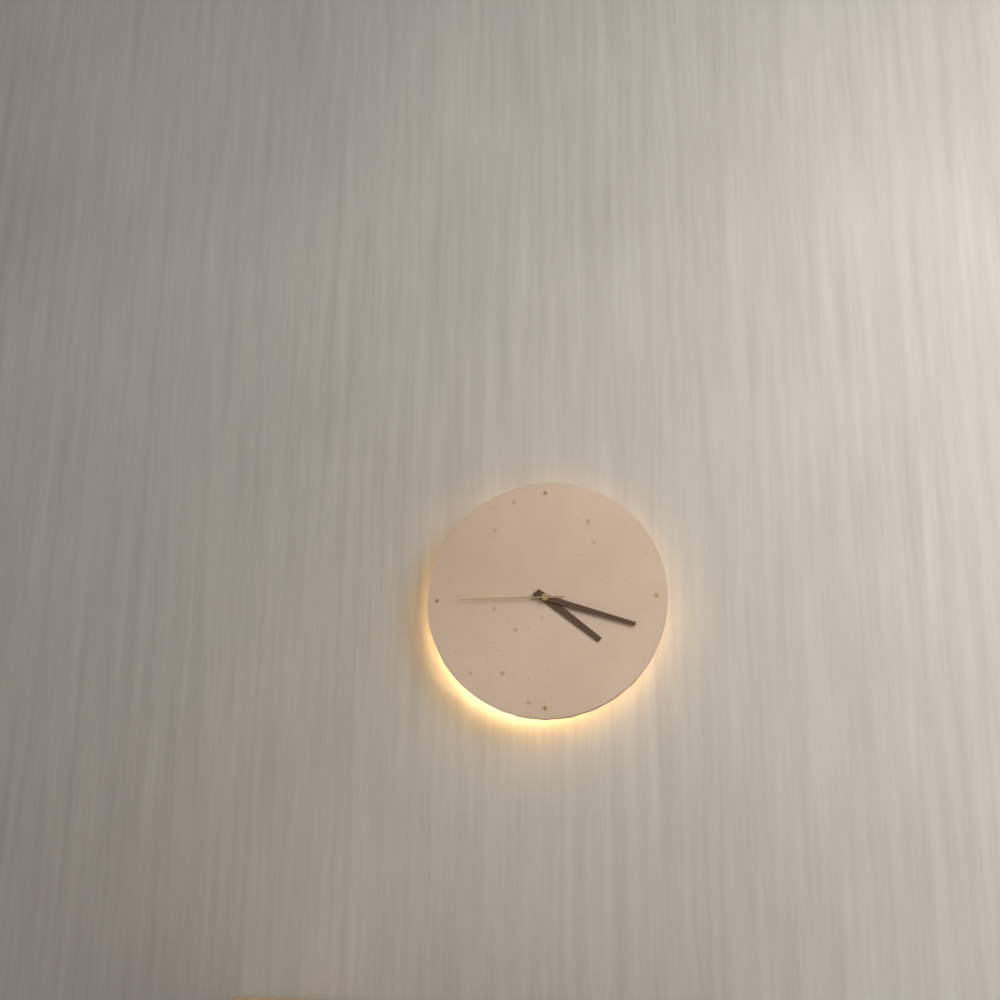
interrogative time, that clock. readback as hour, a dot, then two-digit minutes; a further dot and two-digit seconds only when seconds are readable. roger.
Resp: 4.18.45
